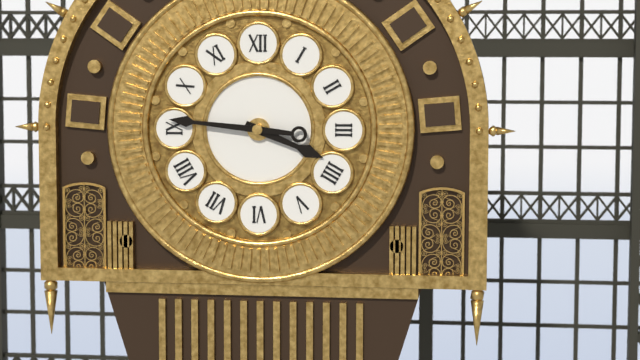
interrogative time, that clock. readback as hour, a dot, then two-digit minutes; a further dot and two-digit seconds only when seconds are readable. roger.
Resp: 3.46
